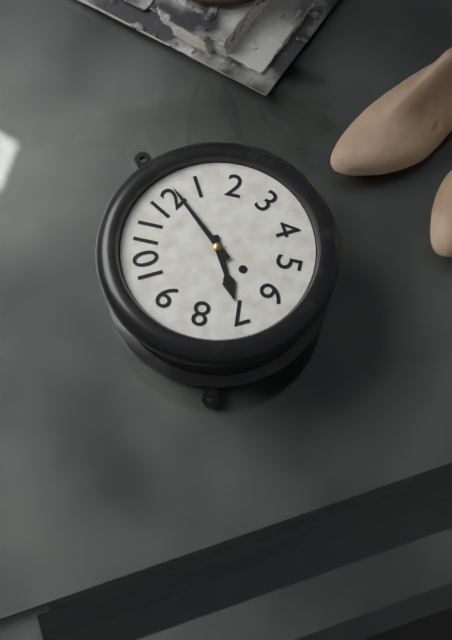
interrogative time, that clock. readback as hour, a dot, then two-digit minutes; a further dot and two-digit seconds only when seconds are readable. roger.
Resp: 7.02
